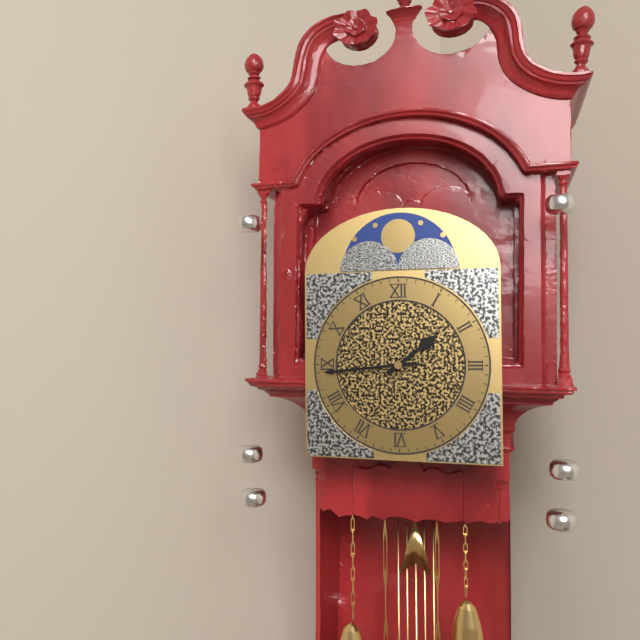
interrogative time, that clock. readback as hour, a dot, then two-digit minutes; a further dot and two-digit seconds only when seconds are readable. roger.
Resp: 1.44
